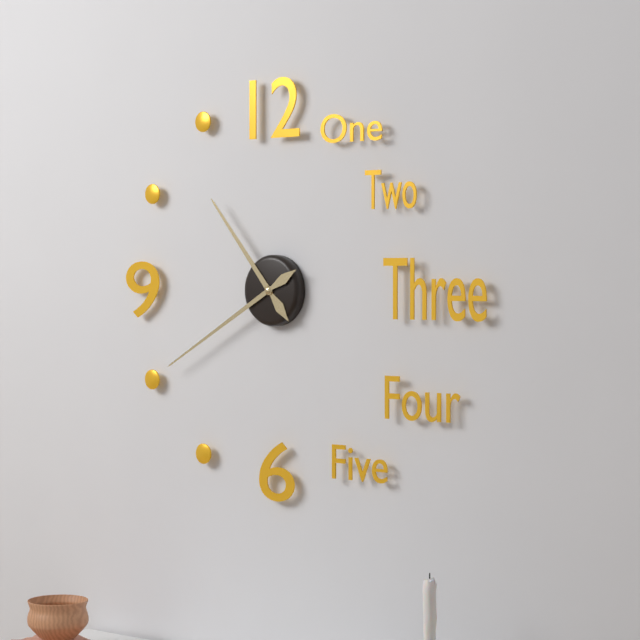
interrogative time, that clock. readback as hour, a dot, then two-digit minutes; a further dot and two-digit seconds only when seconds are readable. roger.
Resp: 10.40
